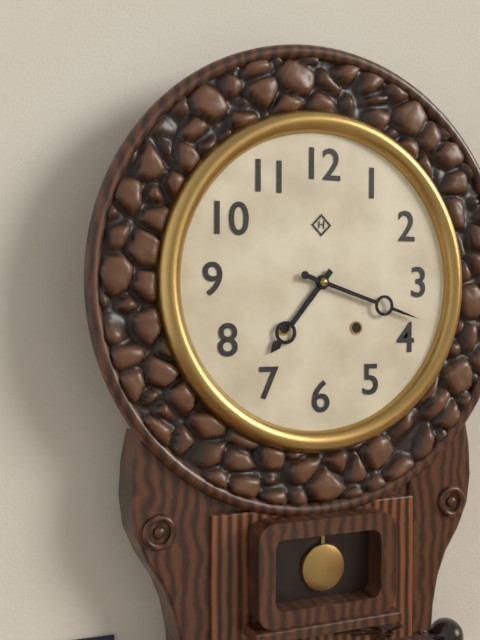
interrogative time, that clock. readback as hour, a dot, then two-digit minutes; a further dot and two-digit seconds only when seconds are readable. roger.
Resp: 7.18
